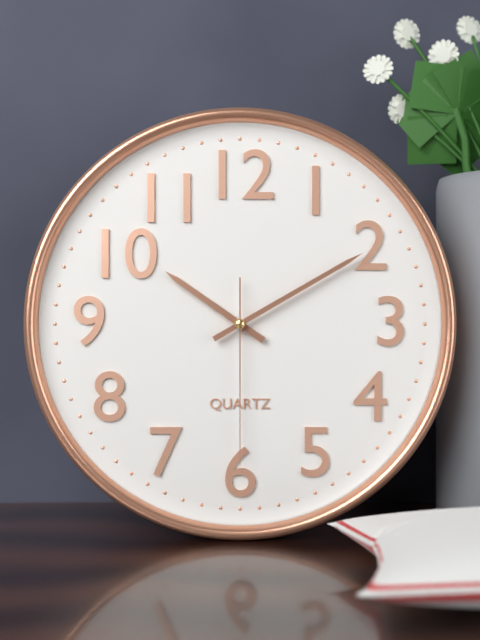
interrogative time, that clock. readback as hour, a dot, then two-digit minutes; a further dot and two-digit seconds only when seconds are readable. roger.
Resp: 10.10.30
